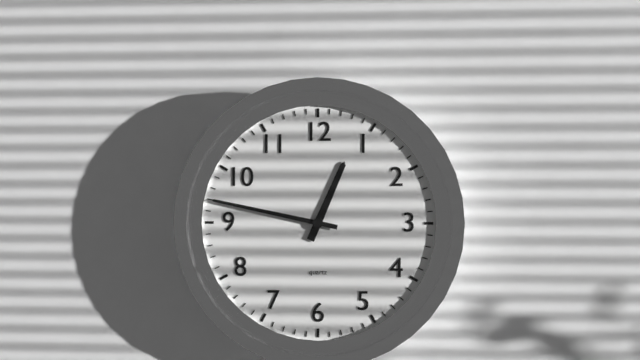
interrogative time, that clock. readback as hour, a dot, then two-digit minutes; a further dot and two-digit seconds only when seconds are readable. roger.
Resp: 12.47
